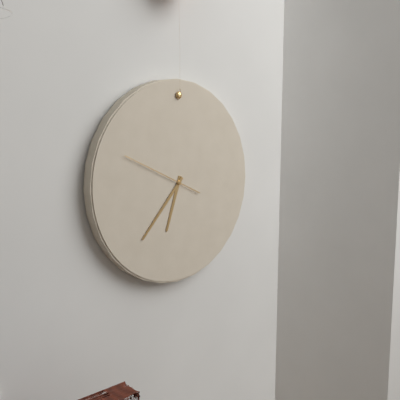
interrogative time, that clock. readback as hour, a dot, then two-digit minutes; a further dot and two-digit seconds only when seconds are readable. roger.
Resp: 6.37.49
